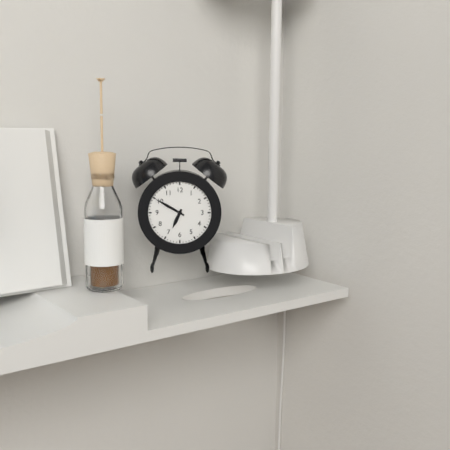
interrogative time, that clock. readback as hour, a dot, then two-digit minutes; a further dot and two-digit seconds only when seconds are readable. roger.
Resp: 6.50
